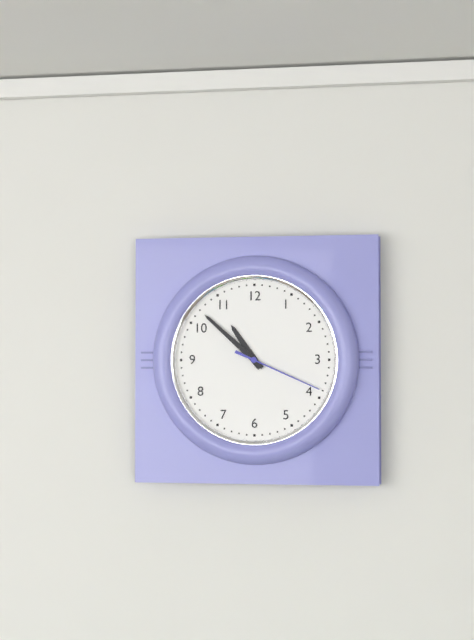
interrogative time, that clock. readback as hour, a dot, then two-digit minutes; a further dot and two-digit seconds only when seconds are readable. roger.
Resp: 10.52.19
